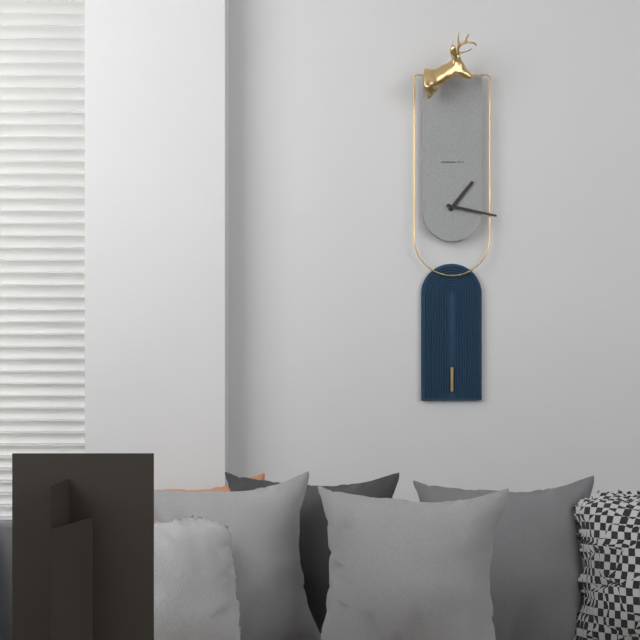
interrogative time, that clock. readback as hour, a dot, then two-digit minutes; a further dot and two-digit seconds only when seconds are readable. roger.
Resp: 1.17
